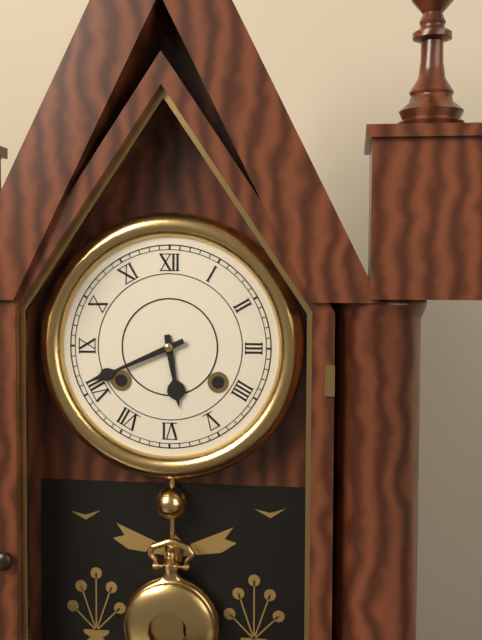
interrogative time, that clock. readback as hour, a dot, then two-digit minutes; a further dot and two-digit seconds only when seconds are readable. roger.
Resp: 5.41
